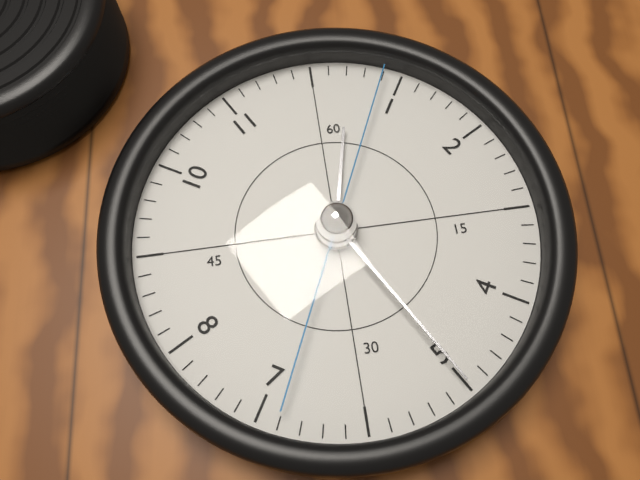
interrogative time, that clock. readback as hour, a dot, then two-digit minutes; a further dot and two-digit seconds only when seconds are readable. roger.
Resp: 12.25.04
